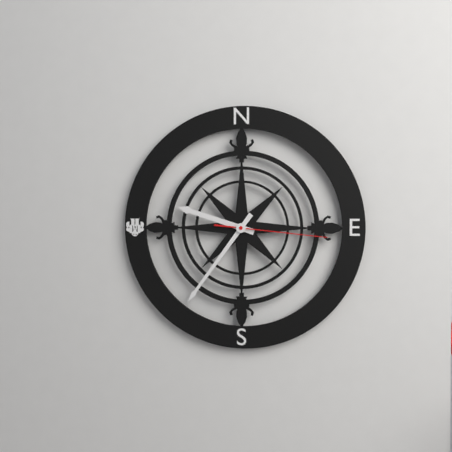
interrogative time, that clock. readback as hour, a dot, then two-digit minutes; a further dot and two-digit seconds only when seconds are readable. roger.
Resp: 9.36.16
